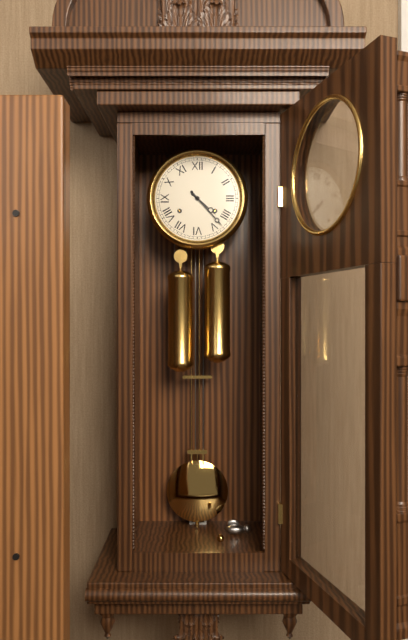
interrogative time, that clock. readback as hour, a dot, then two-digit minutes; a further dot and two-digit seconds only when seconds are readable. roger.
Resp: 4.23
